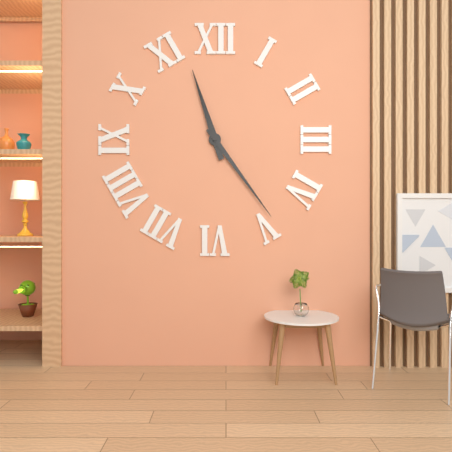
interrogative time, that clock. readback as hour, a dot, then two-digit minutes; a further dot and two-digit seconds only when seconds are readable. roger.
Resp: 11.24
